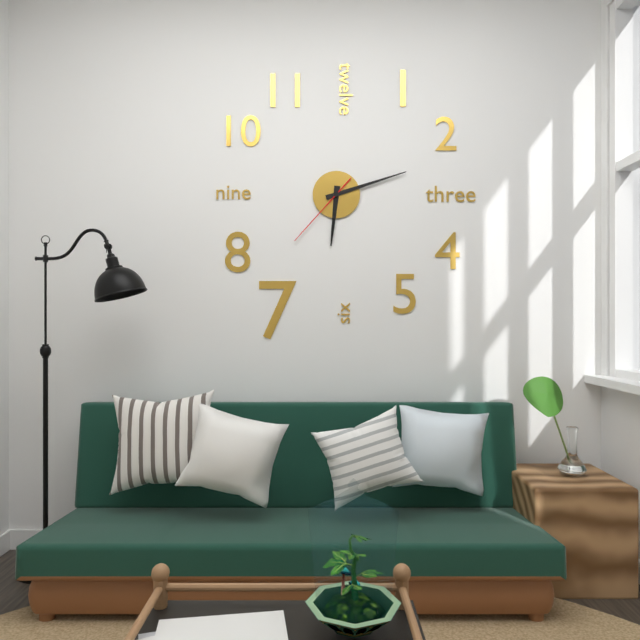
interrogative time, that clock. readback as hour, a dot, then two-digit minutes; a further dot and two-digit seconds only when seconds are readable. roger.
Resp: 6.12.37
